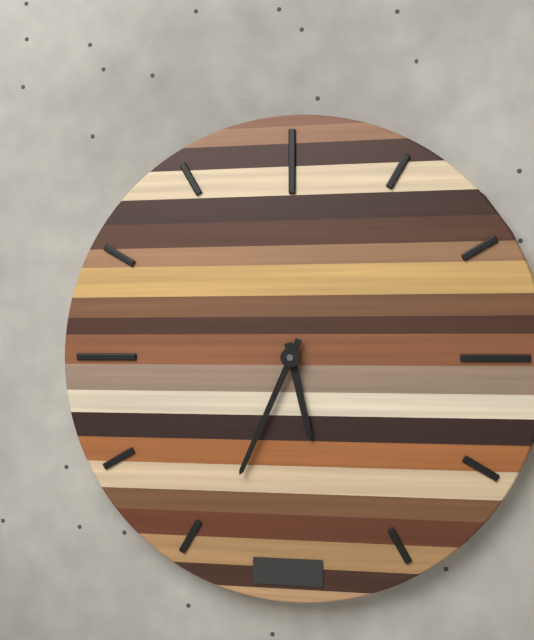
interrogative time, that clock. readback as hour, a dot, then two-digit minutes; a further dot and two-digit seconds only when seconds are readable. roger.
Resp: 5.34
